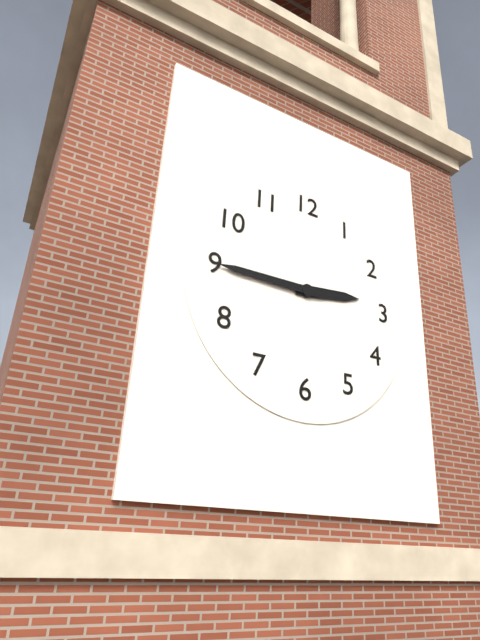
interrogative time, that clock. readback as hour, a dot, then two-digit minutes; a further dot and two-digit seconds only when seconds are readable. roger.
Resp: 2.45
